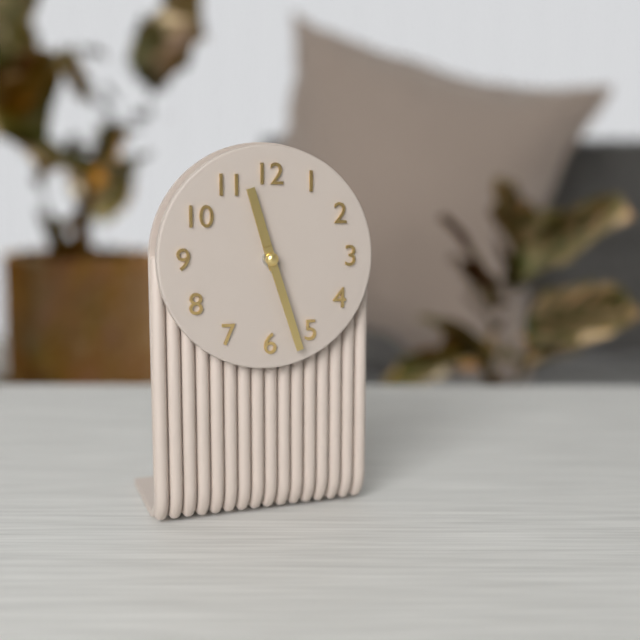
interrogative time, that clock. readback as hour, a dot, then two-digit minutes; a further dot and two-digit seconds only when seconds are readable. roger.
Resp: 11.27
